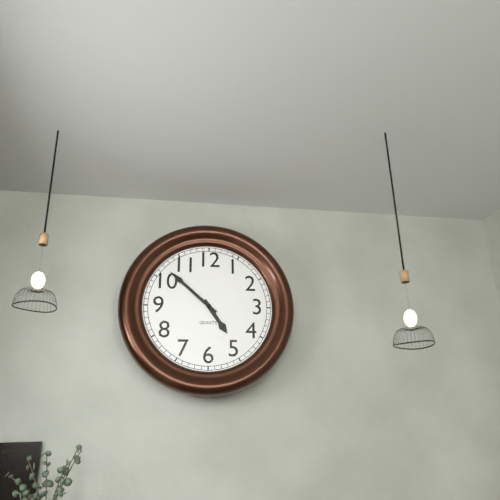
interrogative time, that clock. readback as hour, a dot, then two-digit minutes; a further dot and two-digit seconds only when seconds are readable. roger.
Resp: 4.52
